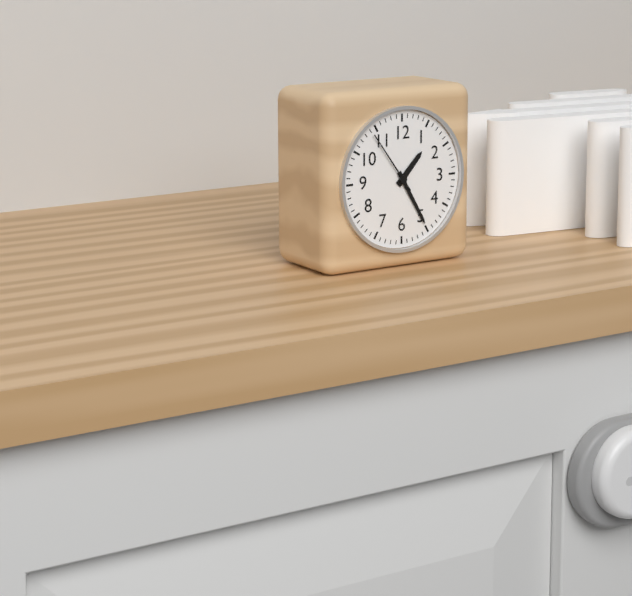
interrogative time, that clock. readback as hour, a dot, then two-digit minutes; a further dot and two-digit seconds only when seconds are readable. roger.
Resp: 1.25
